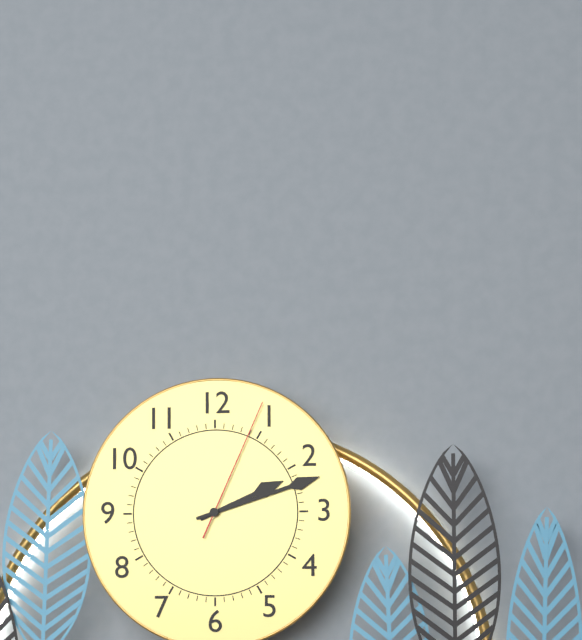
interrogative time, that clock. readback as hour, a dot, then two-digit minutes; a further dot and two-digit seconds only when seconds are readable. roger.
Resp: 2.12.04
